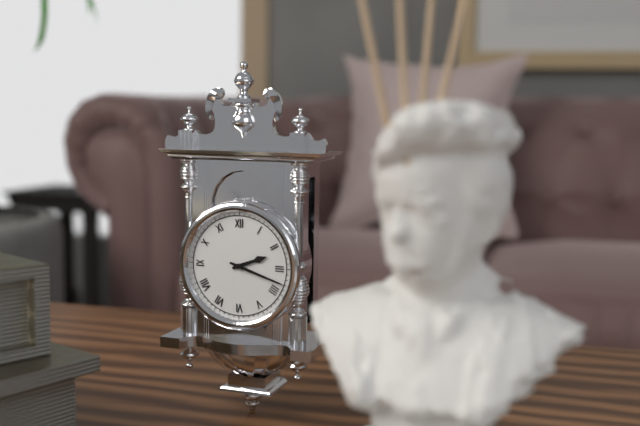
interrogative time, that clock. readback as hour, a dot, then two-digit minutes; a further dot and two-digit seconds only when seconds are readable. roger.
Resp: 2.18
